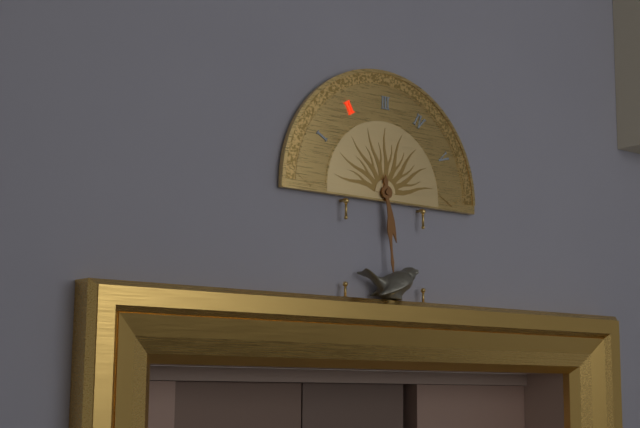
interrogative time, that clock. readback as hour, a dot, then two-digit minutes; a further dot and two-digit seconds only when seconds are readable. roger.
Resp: 5.29
